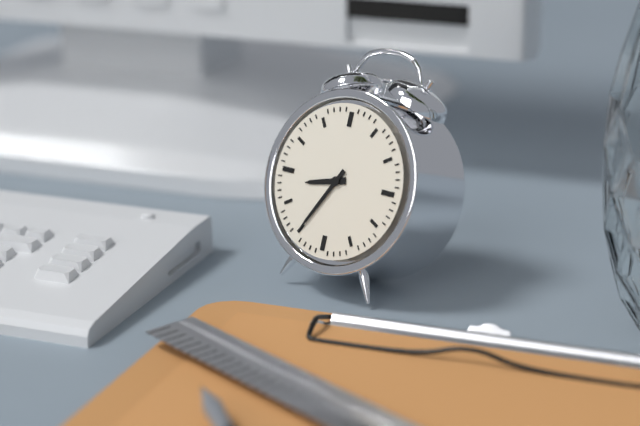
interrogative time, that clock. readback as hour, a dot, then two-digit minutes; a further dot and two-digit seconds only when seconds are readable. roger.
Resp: 8.35
